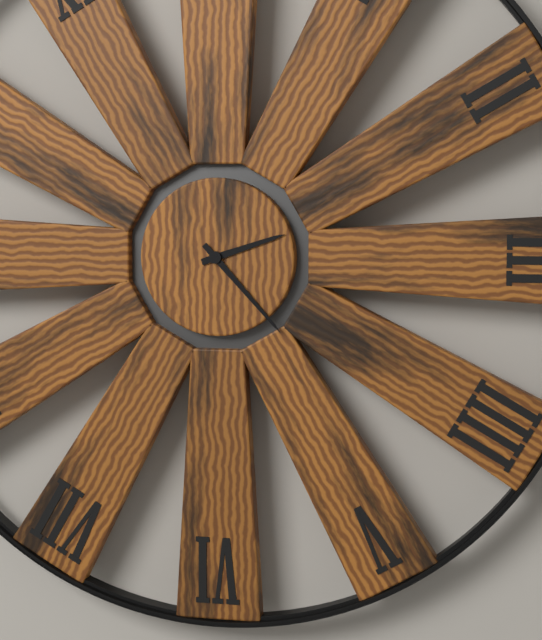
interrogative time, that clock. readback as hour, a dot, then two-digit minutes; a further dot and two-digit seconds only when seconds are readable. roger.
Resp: 2.23
